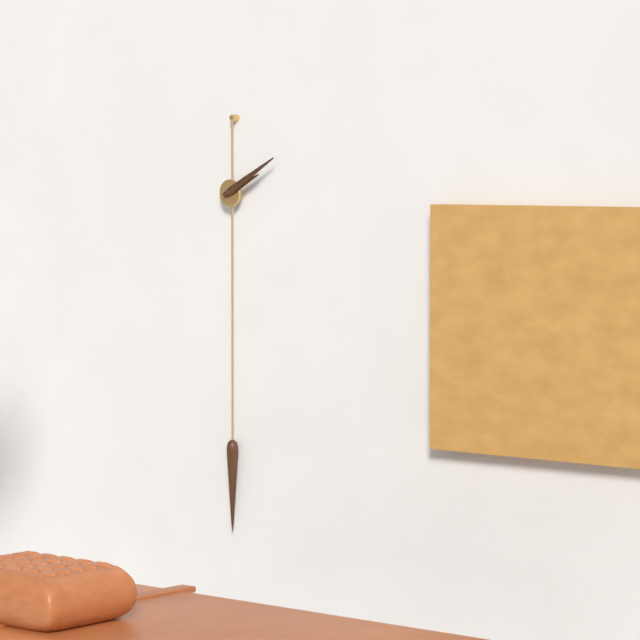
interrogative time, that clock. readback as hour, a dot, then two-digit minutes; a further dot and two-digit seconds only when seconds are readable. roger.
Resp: 2.10
